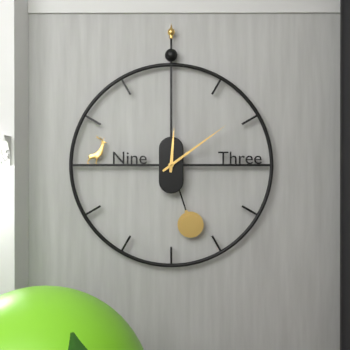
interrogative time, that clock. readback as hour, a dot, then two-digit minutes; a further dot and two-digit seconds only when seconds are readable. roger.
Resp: 12.09
